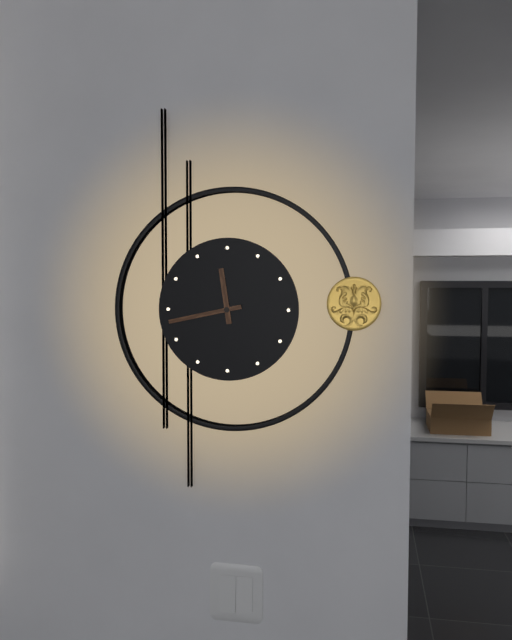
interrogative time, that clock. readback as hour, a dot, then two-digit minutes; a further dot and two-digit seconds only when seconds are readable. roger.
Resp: 11.43
